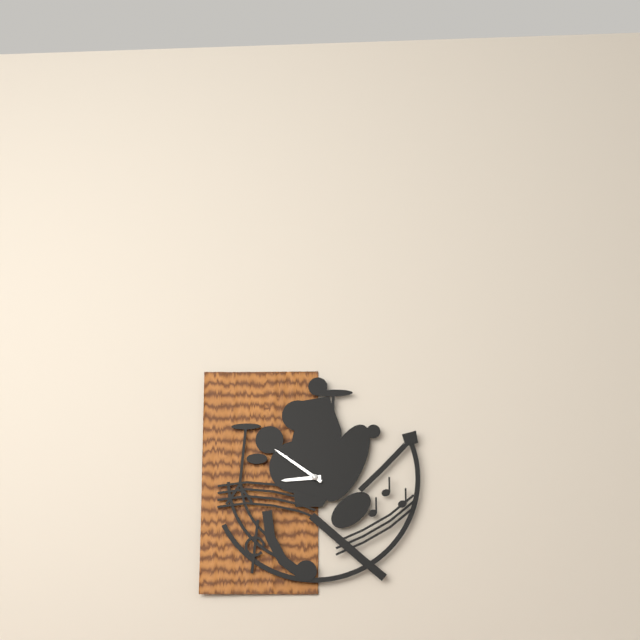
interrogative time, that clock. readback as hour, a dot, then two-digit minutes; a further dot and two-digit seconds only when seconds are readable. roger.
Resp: 8.51
